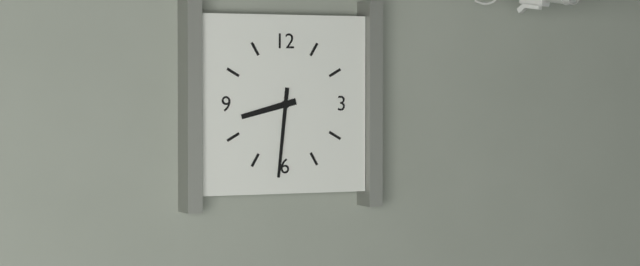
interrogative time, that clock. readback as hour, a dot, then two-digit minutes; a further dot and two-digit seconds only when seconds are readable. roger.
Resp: 8.31
